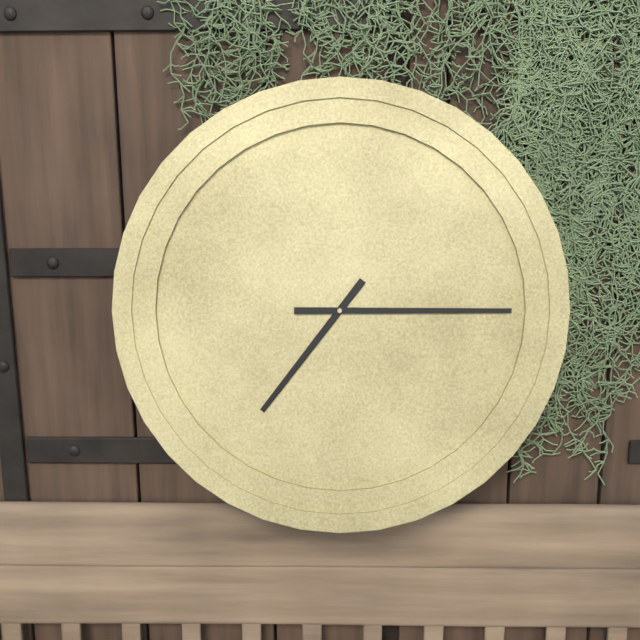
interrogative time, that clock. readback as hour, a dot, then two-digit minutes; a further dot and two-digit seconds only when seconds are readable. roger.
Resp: 7.15
